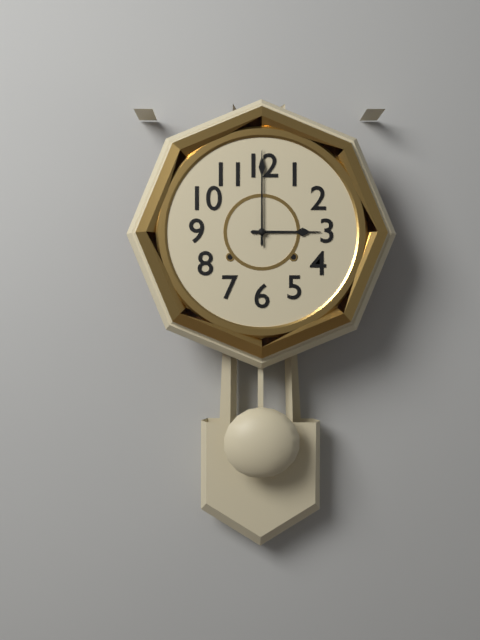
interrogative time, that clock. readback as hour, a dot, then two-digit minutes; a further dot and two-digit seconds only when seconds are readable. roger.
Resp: 3.00
